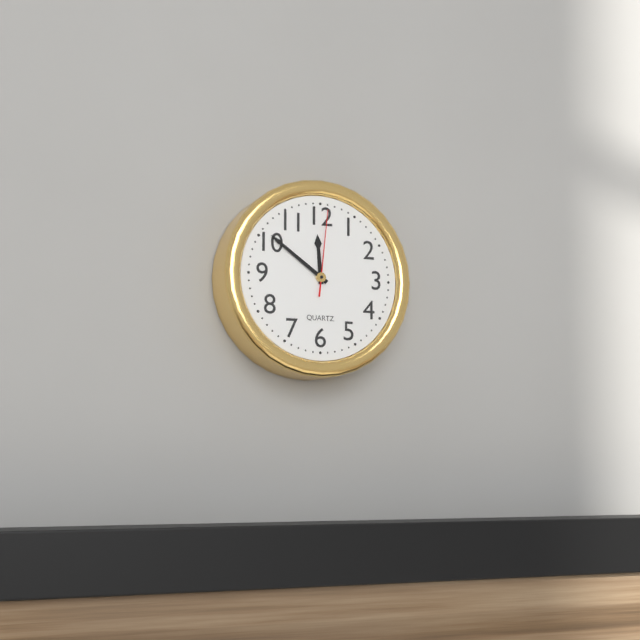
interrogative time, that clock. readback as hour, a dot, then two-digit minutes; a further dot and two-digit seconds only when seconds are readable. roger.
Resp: 11.51.01
